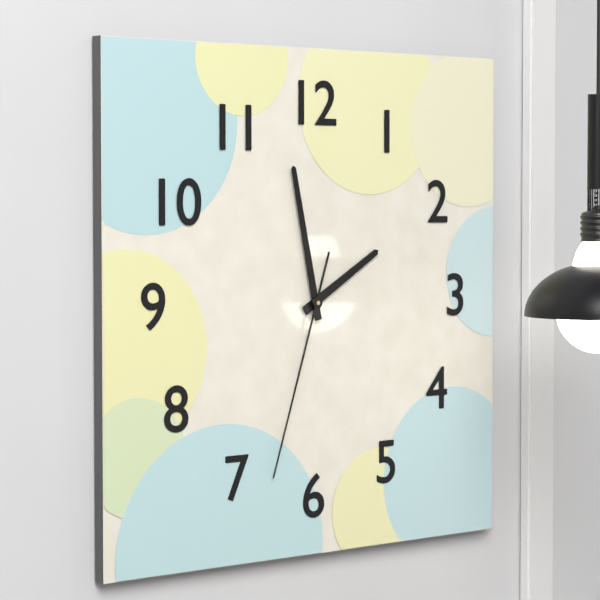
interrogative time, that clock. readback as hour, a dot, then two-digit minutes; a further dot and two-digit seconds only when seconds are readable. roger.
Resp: 1.58.33
